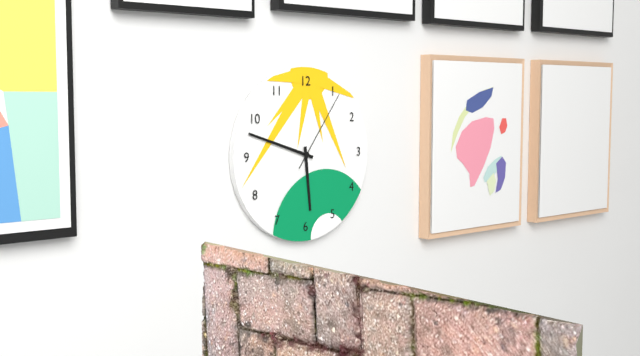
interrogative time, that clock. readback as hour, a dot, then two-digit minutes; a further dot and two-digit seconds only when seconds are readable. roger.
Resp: 5.48.06
